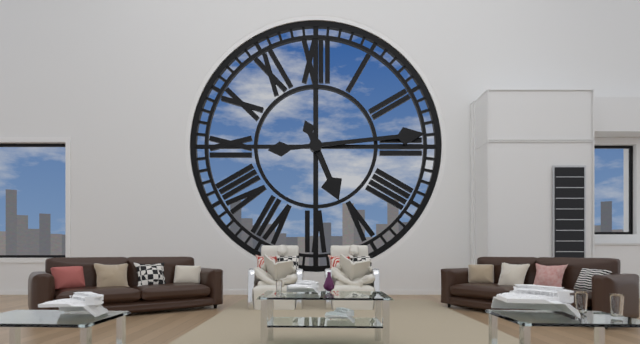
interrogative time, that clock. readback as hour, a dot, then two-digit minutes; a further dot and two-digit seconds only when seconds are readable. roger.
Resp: 5.14
